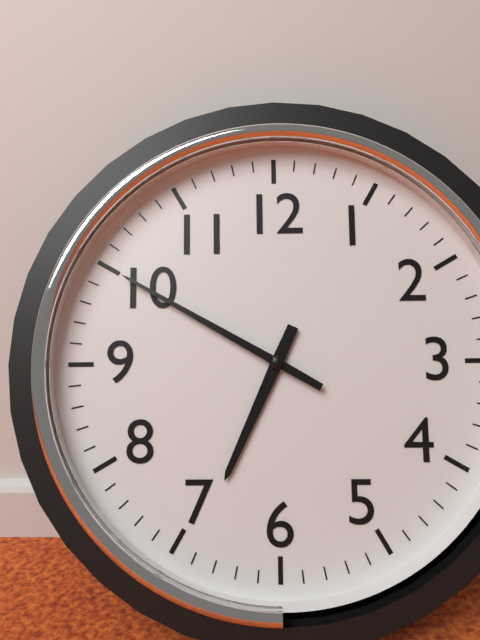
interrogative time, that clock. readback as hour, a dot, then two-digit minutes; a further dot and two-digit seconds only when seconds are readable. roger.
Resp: 6.50
